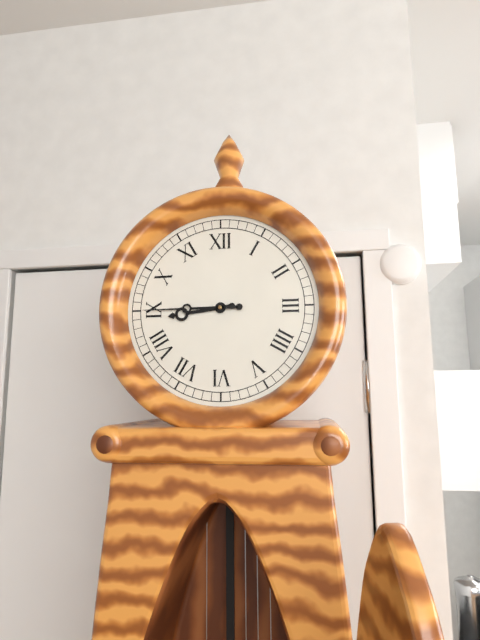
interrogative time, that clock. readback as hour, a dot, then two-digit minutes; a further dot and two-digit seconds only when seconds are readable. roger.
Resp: 8.45
